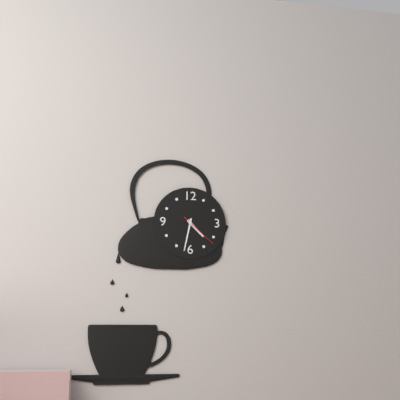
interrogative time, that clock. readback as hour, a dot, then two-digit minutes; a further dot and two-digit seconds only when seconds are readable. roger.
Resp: 4.32
